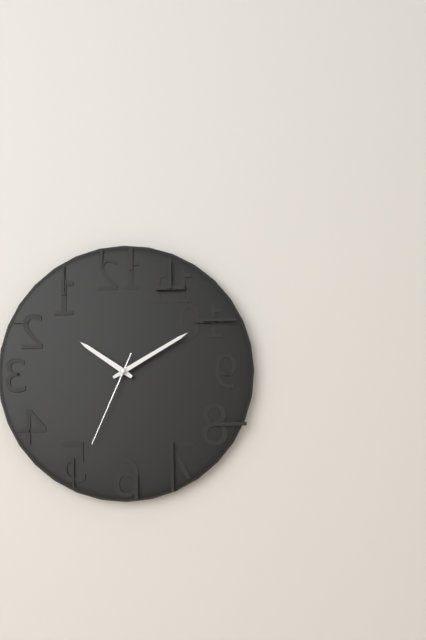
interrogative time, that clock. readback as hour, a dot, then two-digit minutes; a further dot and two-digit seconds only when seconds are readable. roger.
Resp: 10.10.34
